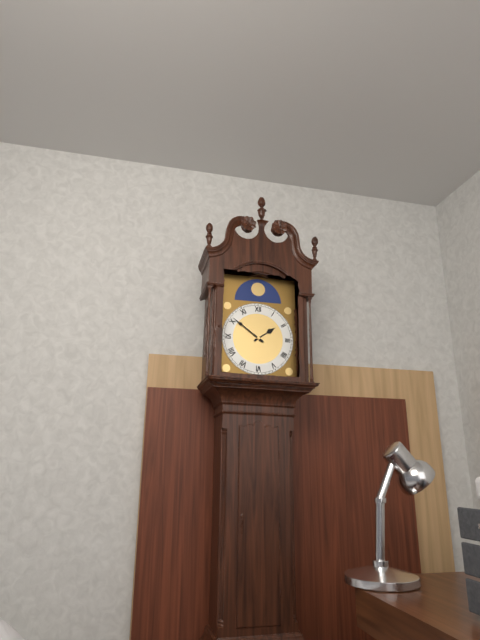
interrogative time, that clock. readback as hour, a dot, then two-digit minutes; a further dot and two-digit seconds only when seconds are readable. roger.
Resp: 1.51
